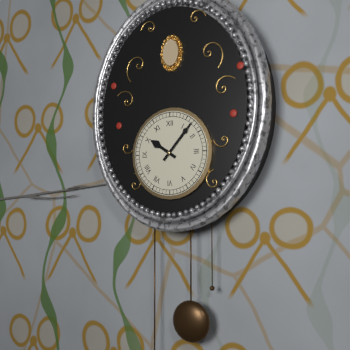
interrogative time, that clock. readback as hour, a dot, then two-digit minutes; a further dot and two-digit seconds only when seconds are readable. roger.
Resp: 10.07
